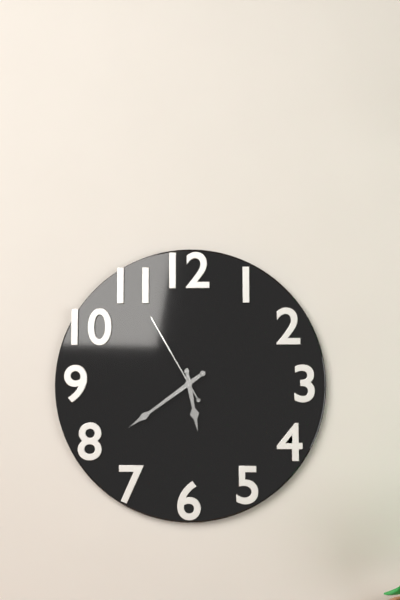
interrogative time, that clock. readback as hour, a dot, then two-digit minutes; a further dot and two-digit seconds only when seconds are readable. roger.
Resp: 5.39.55
